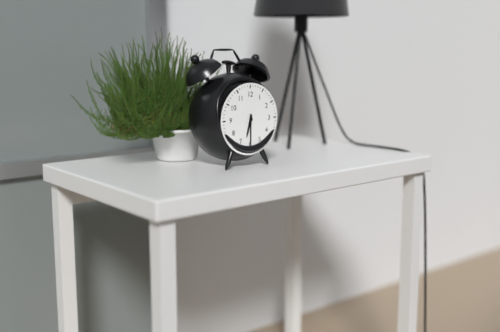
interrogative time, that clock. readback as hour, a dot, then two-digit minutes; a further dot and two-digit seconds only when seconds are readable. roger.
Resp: 6.30
